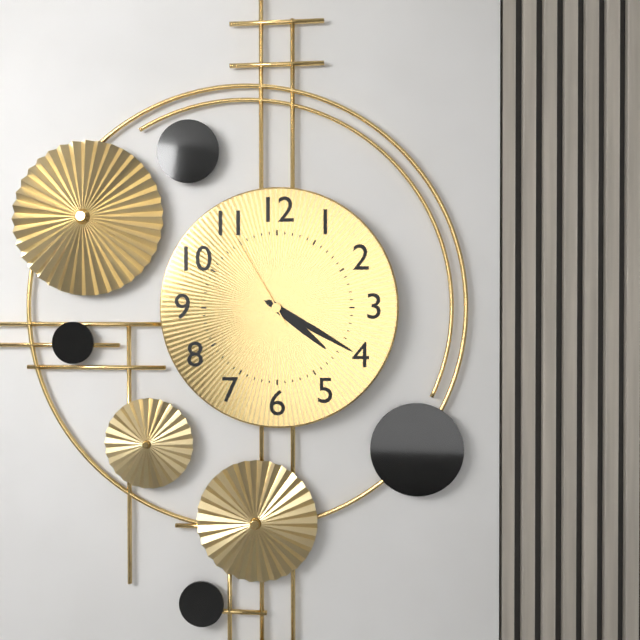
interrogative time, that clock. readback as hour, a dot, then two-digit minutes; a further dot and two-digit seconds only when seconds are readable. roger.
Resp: 4.20.55
